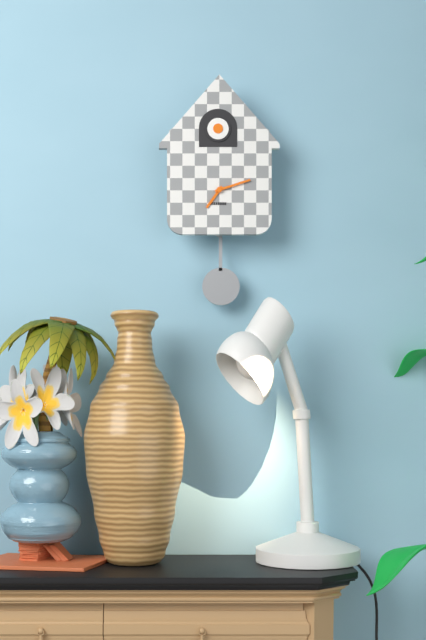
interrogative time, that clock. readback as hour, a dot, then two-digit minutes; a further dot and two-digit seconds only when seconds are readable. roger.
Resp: 7.12
